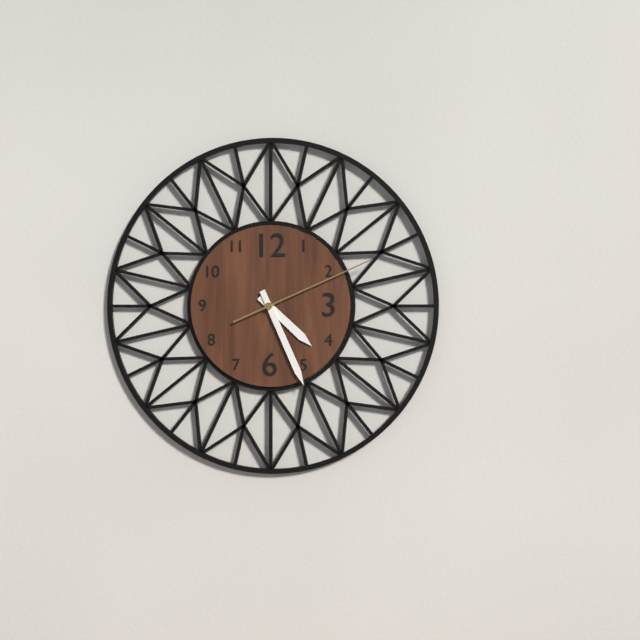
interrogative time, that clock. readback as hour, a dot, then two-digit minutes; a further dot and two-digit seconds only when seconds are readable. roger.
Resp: 4.26.11
